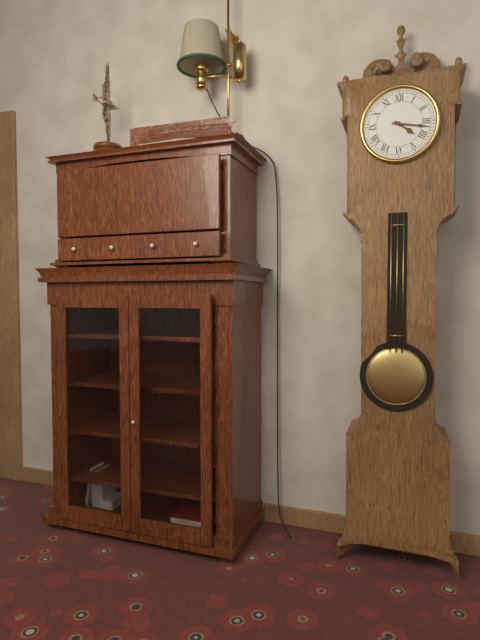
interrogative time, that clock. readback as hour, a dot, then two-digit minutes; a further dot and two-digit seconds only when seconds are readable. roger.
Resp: 4.17
